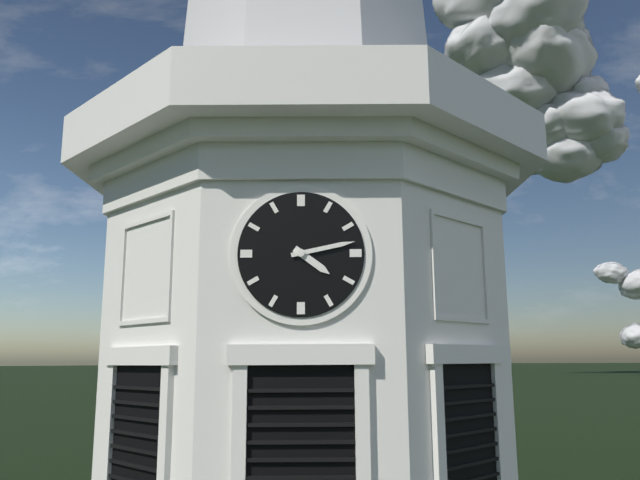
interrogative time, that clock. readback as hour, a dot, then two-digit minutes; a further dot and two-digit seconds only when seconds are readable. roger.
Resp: 4.13
